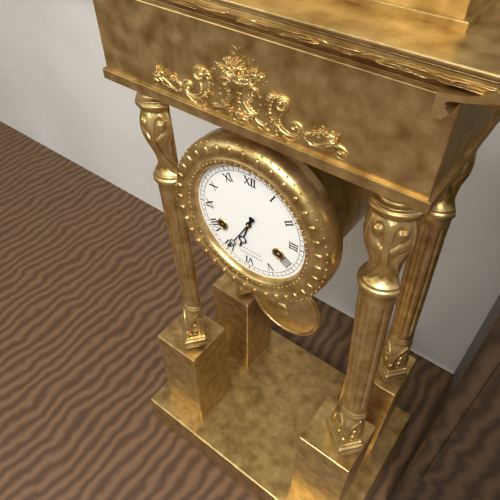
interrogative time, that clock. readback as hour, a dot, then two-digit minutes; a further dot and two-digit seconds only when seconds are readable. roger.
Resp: 6.35
